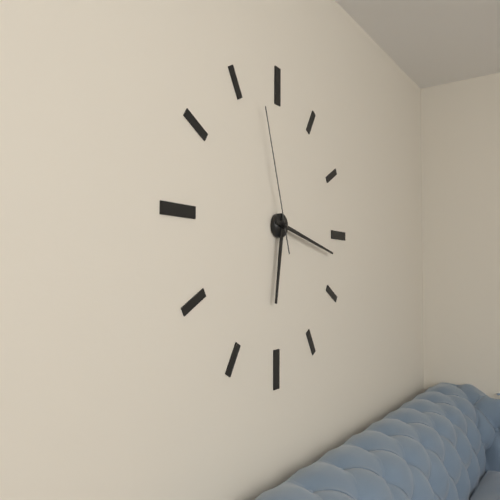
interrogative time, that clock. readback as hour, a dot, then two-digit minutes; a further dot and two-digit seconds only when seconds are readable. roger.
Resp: 6.17.57
